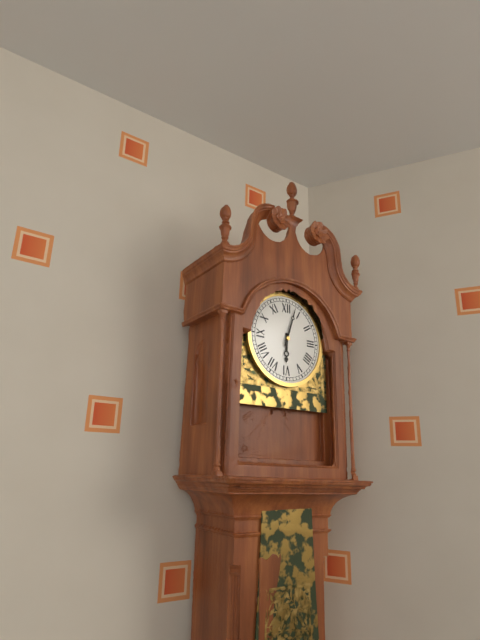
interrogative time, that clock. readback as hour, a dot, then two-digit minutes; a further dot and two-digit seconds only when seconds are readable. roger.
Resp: 6.03
